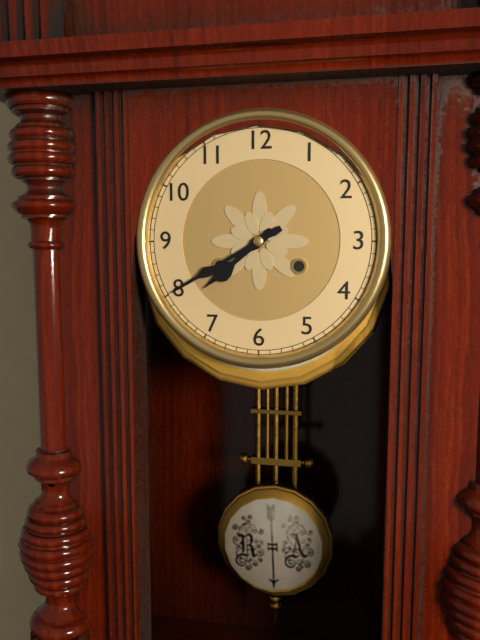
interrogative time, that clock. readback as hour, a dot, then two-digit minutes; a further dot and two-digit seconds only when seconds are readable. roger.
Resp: 7.40
